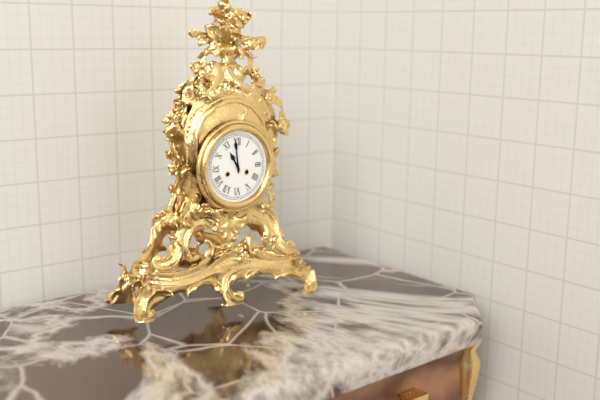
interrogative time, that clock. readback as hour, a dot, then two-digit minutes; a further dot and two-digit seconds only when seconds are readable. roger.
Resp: 10.59
